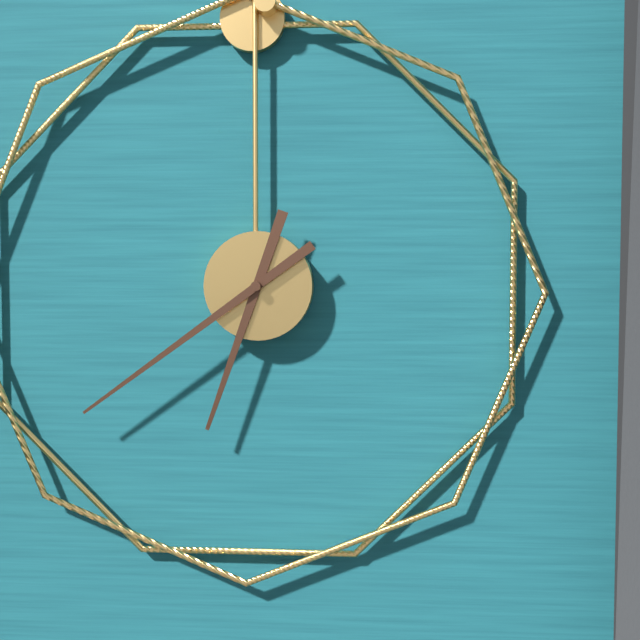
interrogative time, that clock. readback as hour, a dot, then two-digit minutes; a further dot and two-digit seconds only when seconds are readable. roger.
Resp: 6.39
